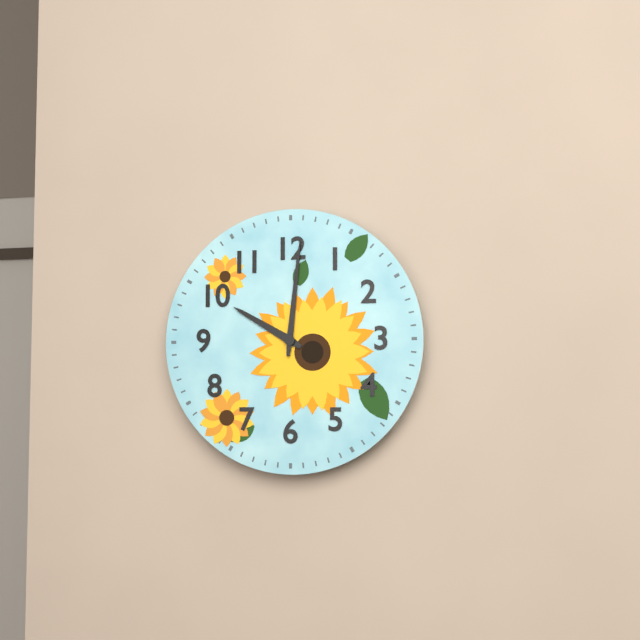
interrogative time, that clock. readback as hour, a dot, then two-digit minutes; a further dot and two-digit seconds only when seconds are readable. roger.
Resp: 10.01
